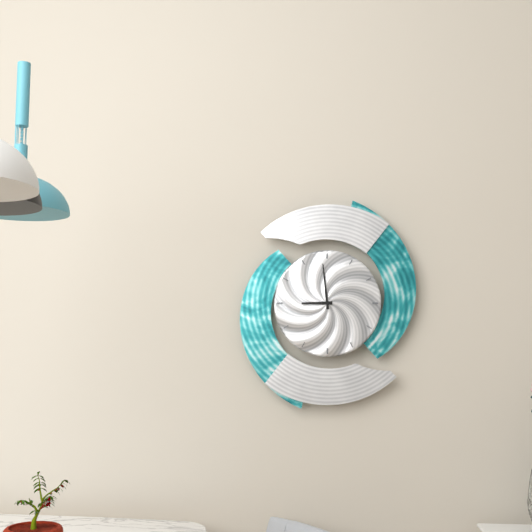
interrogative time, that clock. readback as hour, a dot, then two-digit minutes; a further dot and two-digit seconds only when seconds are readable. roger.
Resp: 8.59
